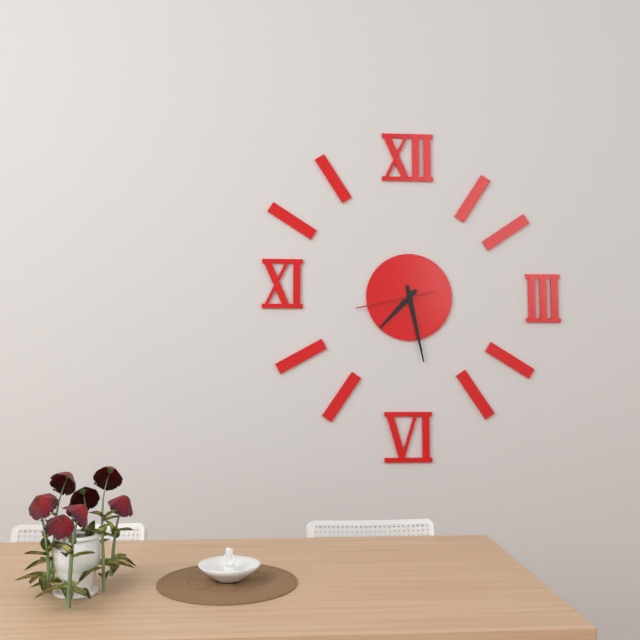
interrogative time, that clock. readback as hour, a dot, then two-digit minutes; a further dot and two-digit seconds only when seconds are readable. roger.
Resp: 7.28.43
